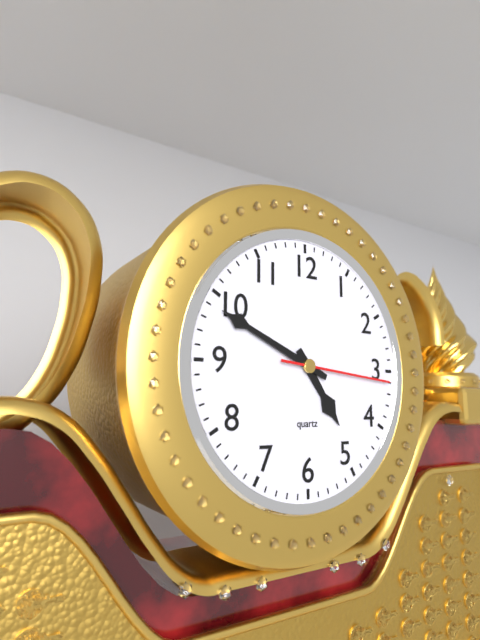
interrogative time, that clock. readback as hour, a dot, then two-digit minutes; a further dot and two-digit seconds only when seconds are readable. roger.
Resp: 4.49.16
